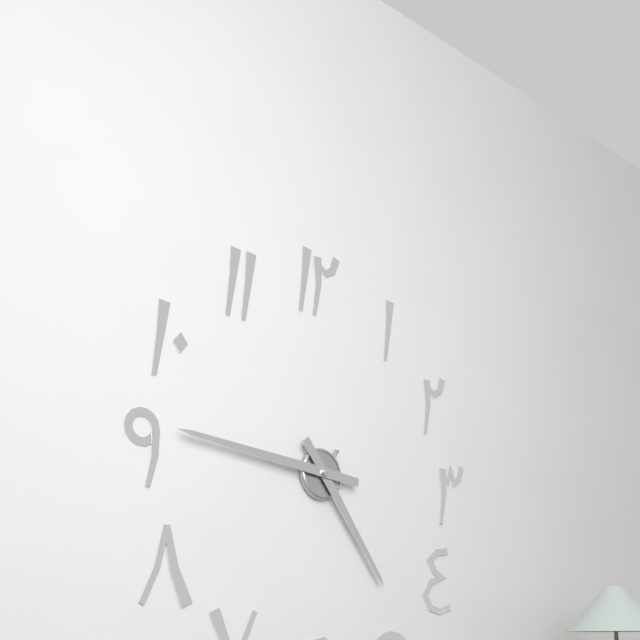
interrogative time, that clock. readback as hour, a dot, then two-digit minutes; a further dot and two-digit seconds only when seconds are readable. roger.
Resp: 4.46
